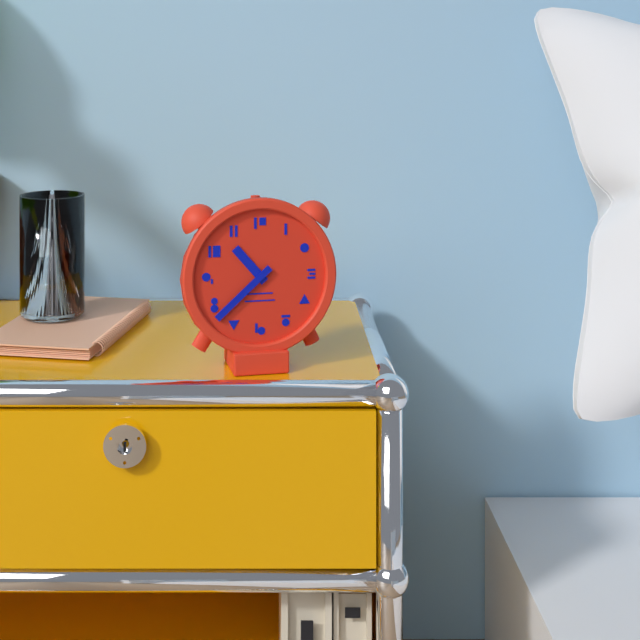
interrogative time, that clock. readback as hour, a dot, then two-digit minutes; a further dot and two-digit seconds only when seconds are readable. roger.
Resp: 10.38
